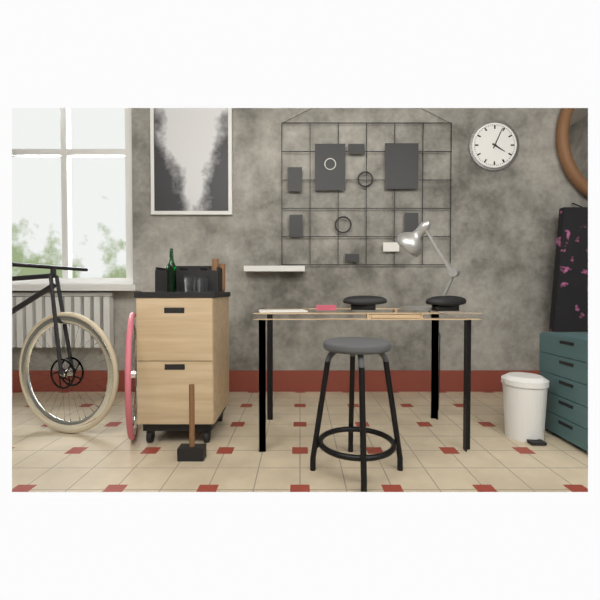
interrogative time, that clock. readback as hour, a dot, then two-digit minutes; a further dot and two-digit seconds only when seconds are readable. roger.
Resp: 4.04
